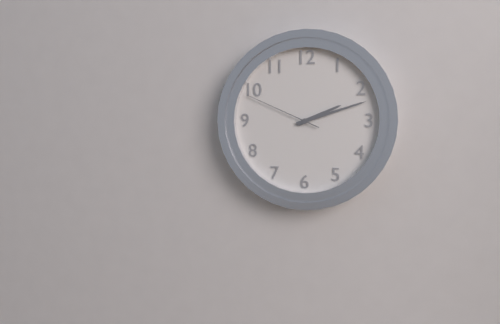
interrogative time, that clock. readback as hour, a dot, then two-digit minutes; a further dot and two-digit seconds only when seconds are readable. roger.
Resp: 2.12.49
